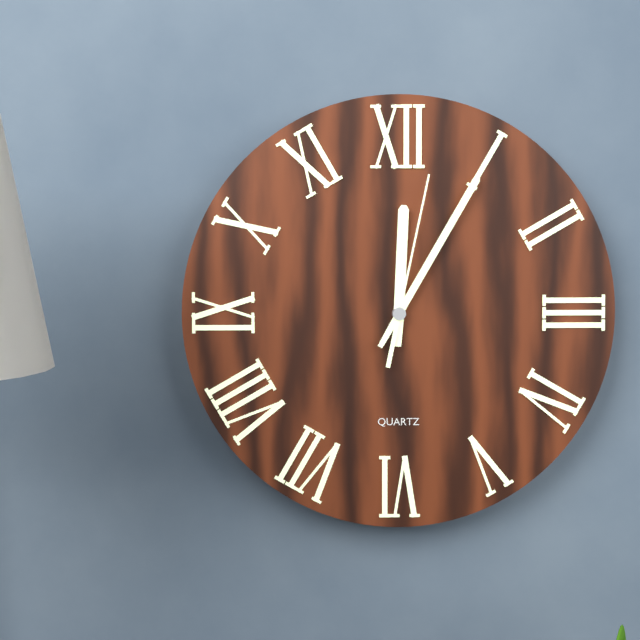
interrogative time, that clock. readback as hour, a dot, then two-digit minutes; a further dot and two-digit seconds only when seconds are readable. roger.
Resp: 12.05.02
